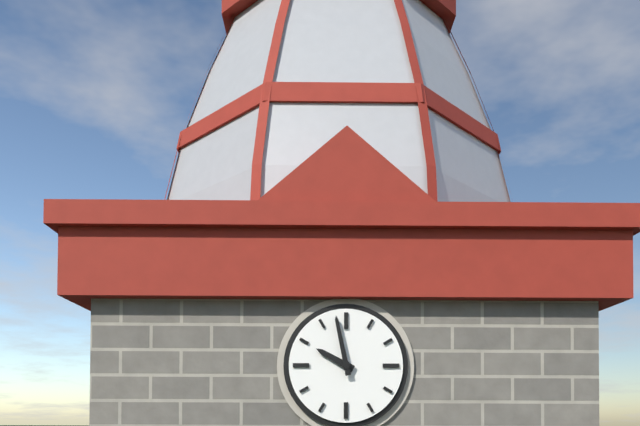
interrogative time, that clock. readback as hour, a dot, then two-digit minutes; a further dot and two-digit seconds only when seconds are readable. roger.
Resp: 9.58
